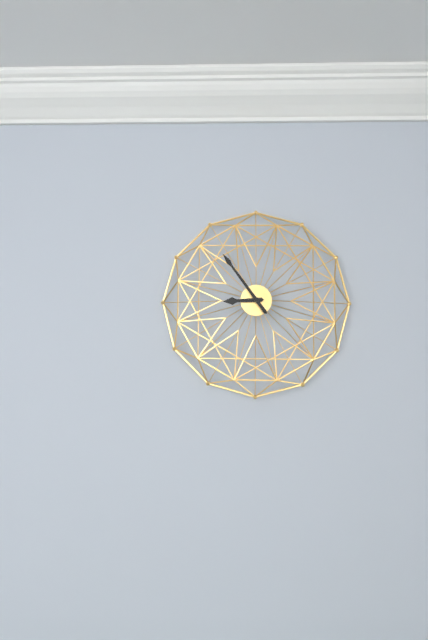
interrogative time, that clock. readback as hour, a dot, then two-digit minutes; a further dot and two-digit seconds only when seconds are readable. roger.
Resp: 8.54
